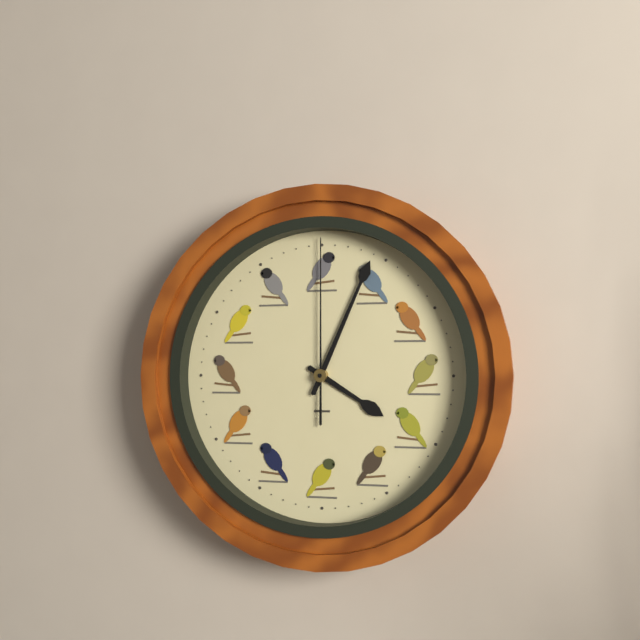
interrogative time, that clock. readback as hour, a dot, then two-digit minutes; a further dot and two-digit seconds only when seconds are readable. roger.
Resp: 4.04.00
